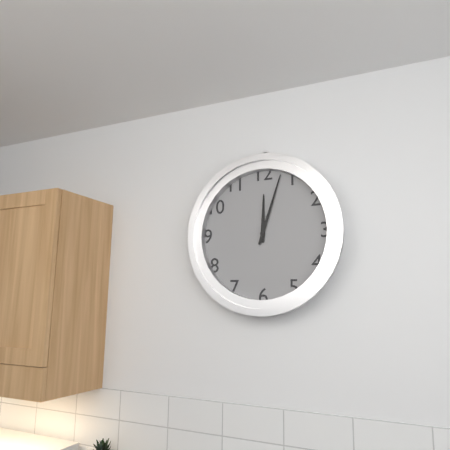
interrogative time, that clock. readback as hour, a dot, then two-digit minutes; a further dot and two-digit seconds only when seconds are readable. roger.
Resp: 12.03
